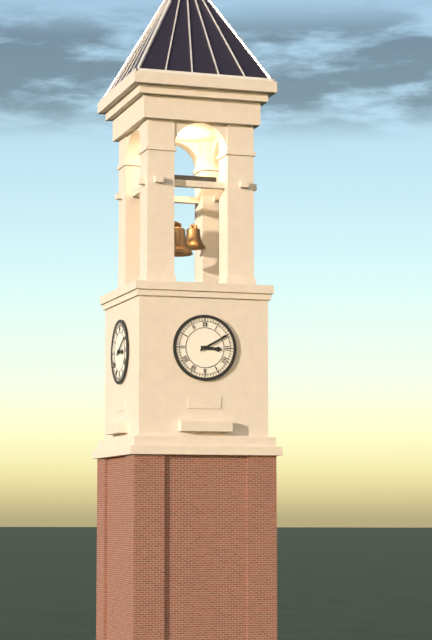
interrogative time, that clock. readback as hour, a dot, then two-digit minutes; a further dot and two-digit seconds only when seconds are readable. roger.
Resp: 3.10
